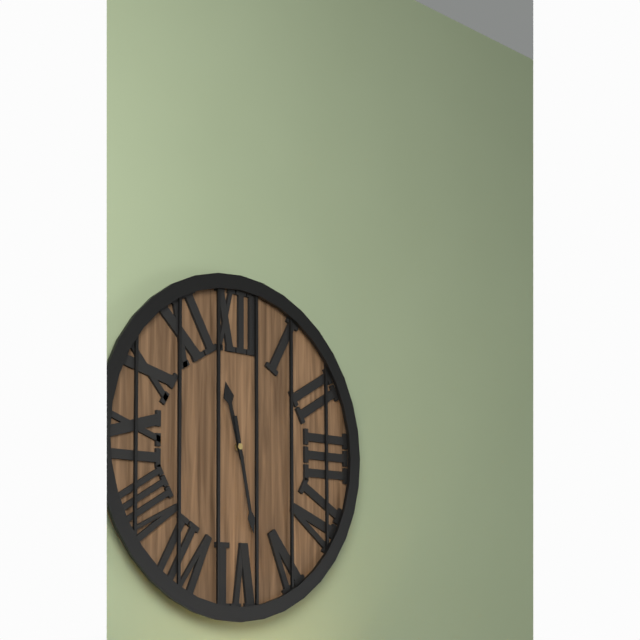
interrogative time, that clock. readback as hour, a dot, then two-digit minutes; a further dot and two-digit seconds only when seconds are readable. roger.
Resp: 11.28
